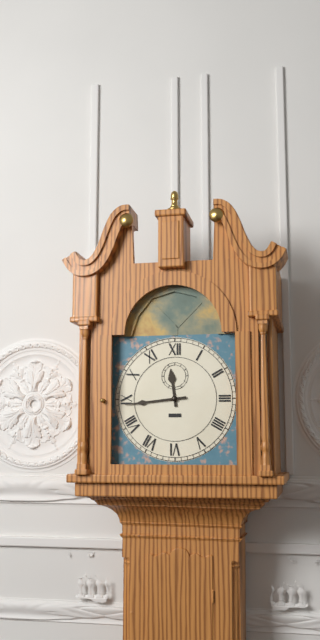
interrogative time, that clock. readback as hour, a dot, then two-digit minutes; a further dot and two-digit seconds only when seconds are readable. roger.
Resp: 11.44
